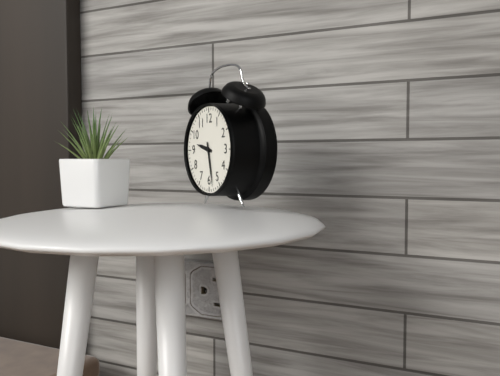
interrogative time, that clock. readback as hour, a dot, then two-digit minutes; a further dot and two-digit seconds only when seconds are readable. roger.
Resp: 9.28
